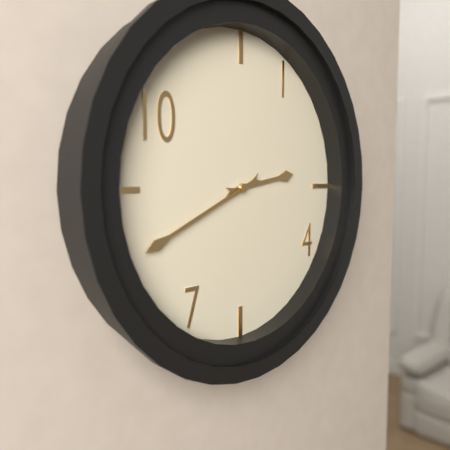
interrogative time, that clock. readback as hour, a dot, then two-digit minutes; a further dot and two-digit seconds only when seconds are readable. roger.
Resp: 2.41
